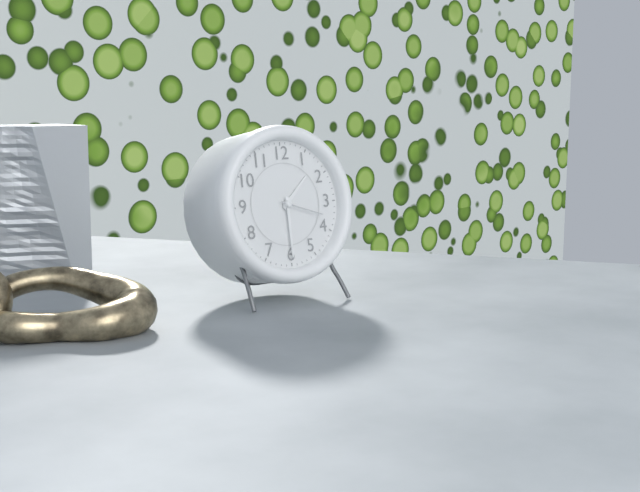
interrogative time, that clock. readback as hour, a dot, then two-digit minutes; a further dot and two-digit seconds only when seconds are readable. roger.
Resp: 1.30
